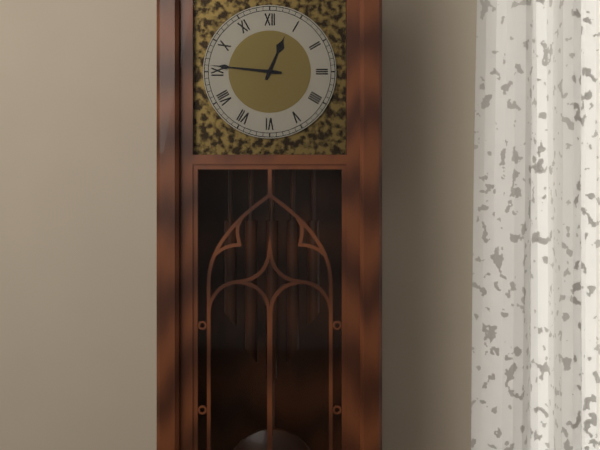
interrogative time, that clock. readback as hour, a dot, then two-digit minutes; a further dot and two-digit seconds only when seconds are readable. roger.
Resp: 12.46
